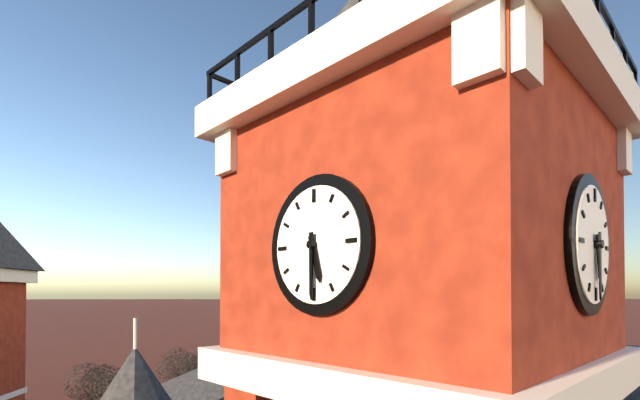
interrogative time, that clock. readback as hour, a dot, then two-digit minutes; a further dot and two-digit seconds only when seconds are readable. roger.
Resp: 5.30
